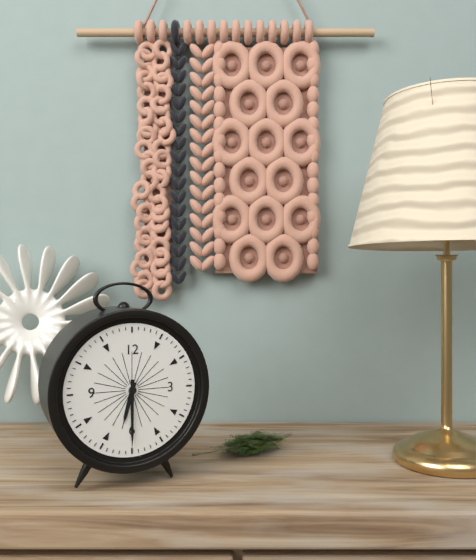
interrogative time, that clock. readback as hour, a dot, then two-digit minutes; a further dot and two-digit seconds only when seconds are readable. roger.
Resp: 6.30
